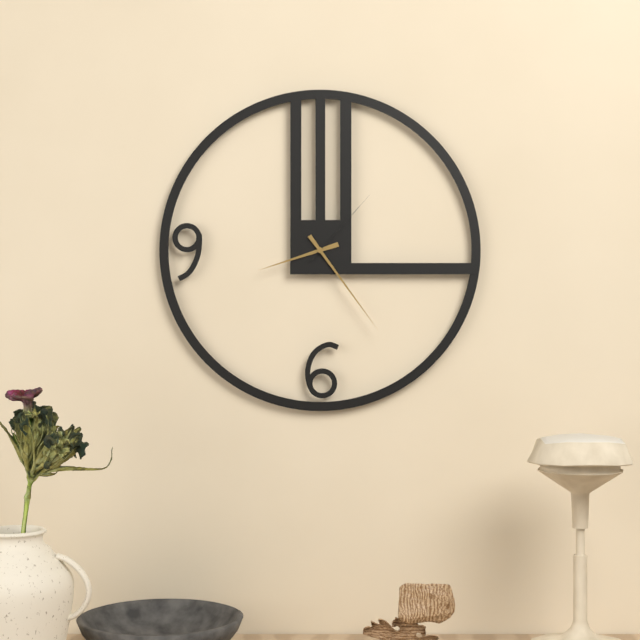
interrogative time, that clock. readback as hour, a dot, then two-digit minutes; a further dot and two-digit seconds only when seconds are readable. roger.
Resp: 8.24.07
